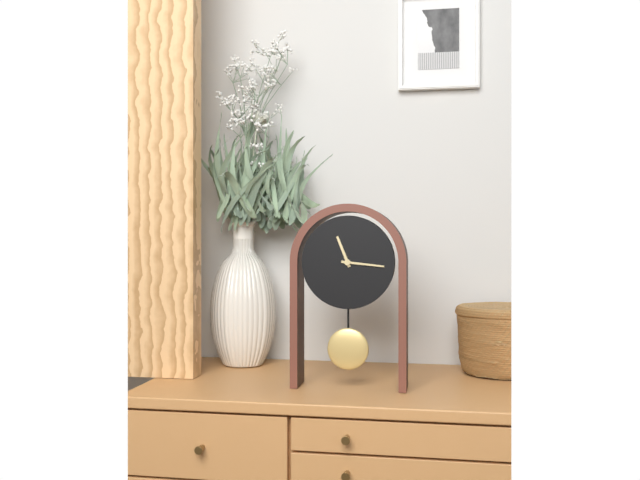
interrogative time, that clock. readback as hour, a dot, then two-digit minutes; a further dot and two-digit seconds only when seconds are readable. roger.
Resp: 11.16
